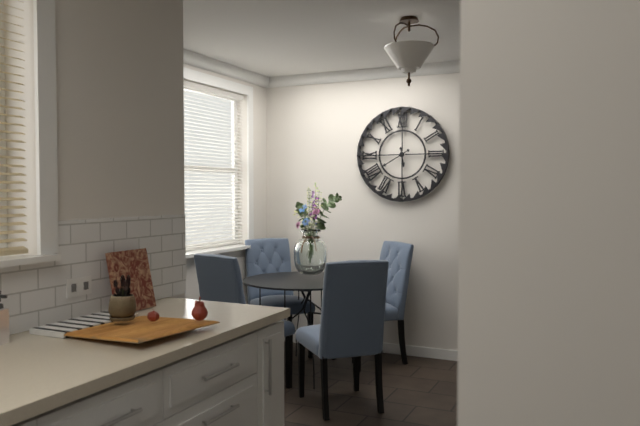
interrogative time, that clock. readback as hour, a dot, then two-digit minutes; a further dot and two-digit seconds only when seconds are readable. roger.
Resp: 5.40
